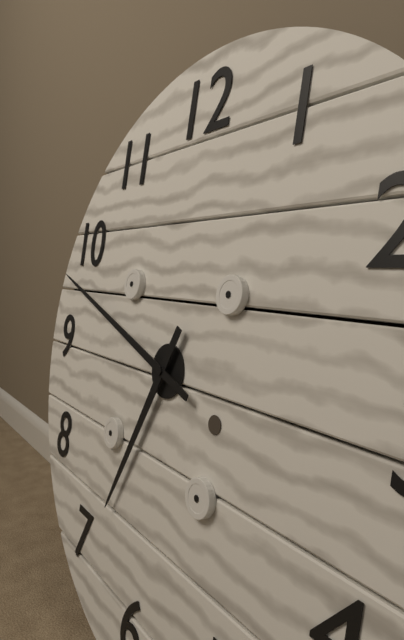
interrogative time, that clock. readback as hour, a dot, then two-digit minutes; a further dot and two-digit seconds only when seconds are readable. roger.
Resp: 6.48
